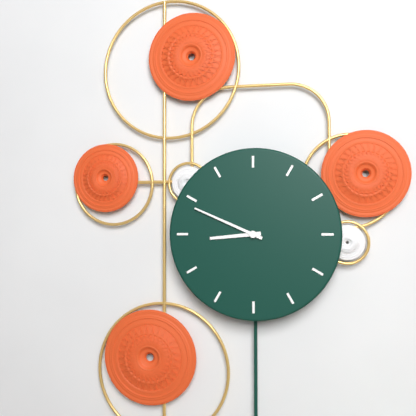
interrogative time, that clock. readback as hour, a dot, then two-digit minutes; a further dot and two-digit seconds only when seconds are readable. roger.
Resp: 8.49
